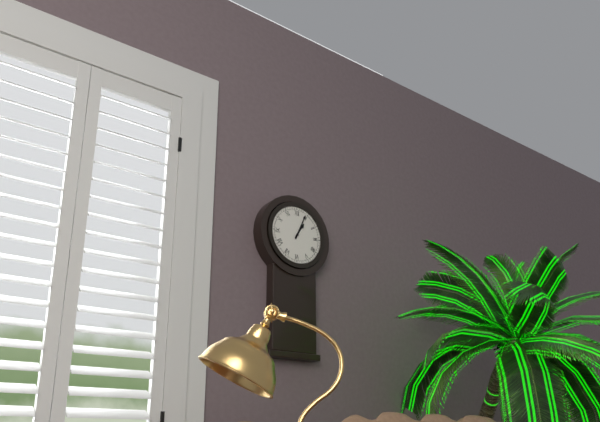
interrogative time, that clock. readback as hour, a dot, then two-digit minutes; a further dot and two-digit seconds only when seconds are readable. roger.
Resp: 1.04
